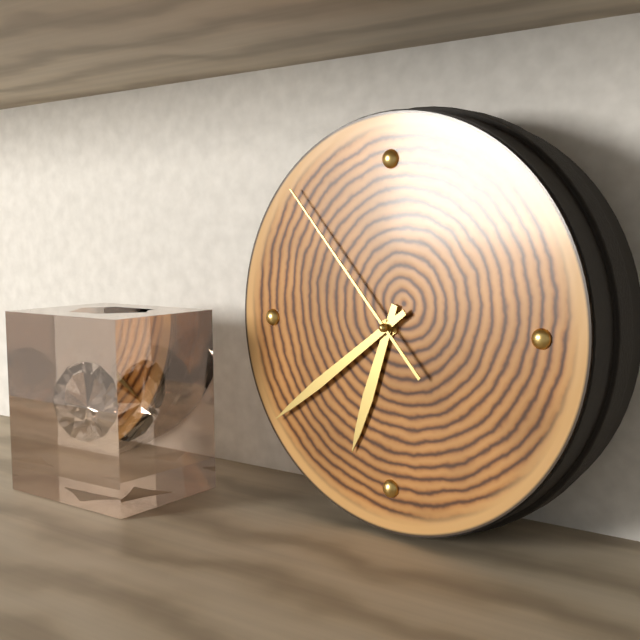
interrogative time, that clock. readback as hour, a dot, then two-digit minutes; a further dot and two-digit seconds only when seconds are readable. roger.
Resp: 6.39.53
